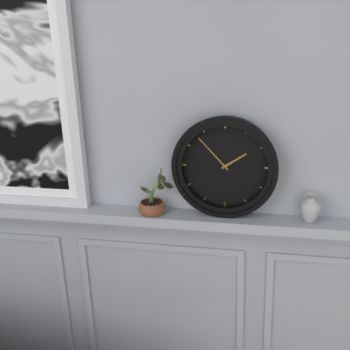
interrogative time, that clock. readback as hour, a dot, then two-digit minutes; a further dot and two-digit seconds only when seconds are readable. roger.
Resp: 1.53
